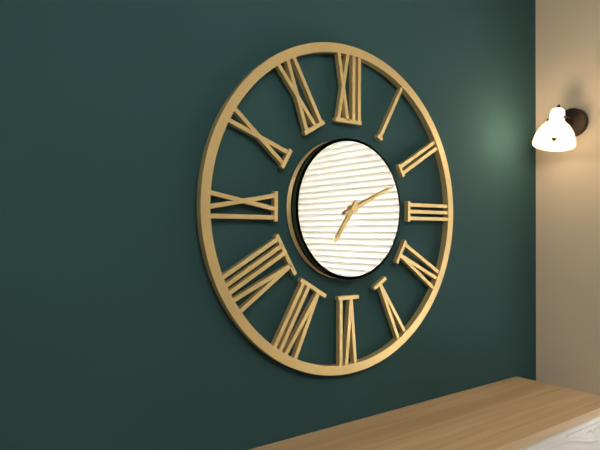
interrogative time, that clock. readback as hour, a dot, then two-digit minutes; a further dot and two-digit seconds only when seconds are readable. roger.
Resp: 7.11
